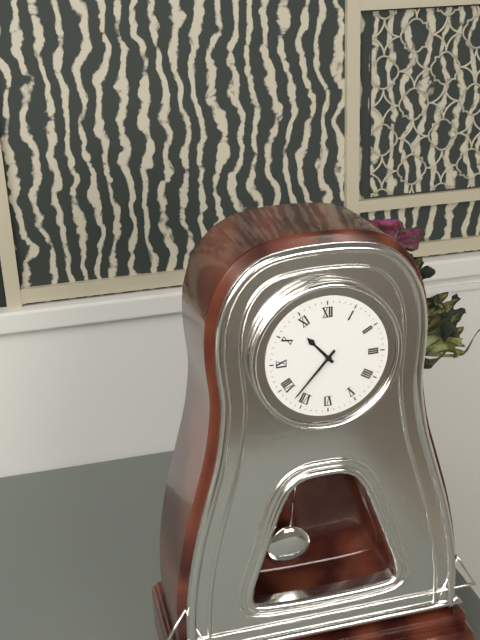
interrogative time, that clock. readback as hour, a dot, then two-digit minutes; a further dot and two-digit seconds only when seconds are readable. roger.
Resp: 10.37
